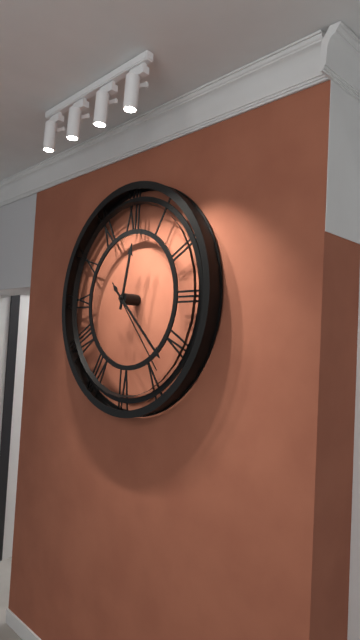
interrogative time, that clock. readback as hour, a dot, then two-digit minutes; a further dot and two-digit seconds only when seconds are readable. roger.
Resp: 12.22.23
